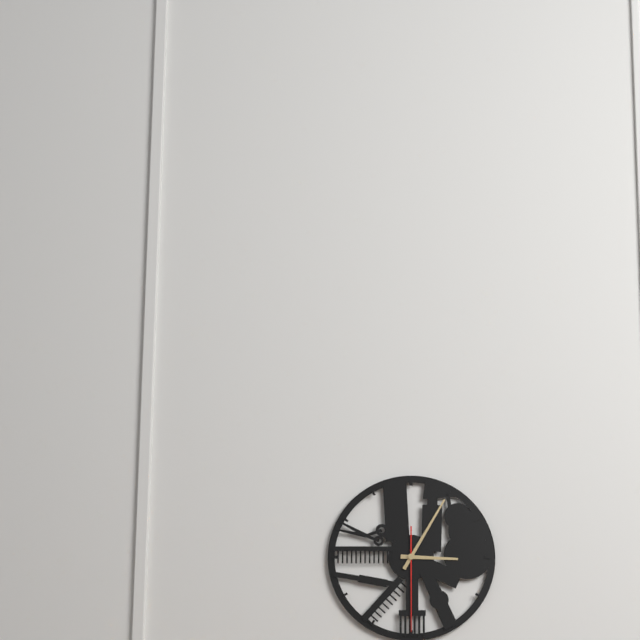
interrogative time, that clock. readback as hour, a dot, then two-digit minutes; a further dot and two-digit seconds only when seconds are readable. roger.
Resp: 3.05.30
